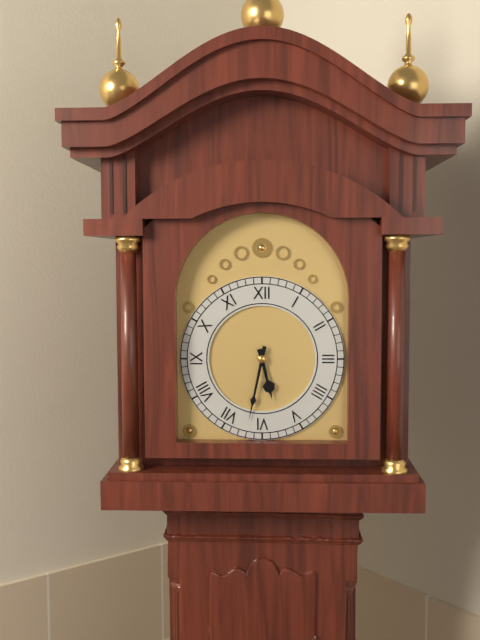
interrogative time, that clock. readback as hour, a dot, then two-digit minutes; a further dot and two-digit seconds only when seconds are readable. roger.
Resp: 5.32
